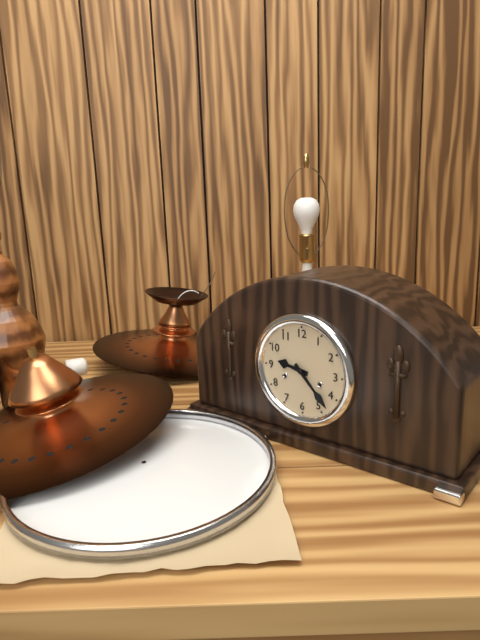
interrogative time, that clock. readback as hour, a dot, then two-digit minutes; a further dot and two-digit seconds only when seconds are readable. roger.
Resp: 9.23
